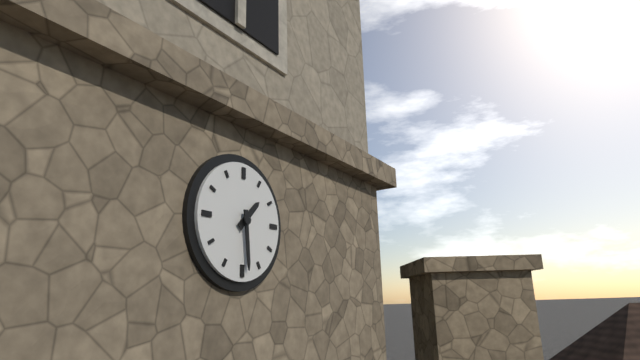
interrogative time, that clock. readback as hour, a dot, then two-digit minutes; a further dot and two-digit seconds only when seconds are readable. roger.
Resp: 1.29
